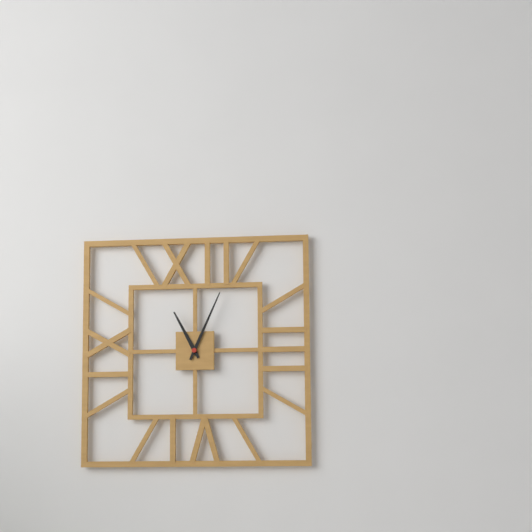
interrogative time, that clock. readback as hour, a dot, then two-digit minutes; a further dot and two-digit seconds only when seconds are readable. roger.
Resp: 11.04
